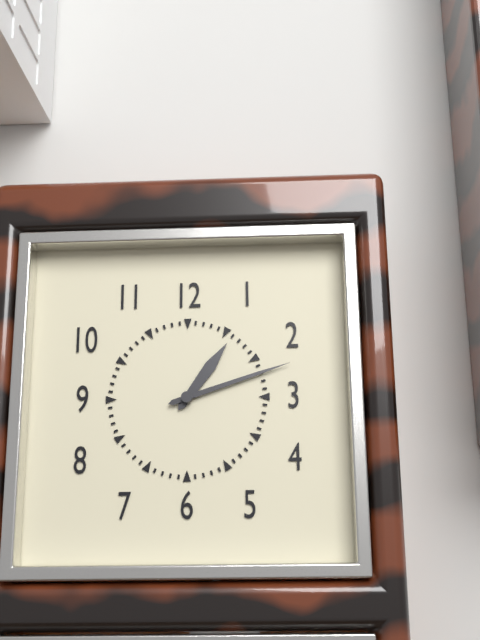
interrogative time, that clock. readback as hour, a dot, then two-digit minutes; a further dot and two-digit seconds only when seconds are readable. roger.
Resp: 1.12
